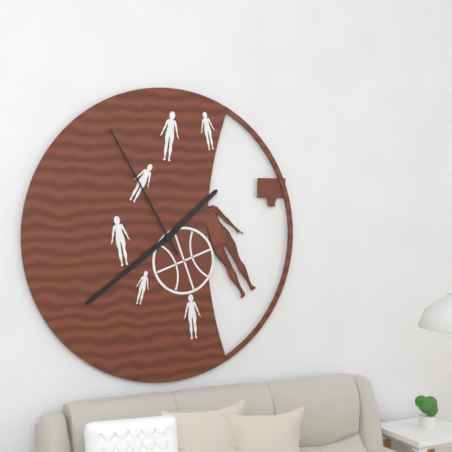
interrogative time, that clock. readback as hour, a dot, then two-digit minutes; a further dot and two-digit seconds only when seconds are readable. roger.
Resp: 1.39.55
